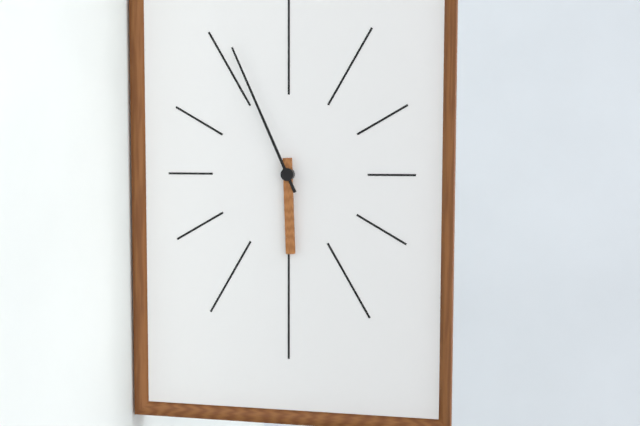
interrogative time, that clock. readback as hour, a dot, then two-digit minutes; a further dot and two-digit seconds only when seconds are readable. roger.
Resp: 5.56
